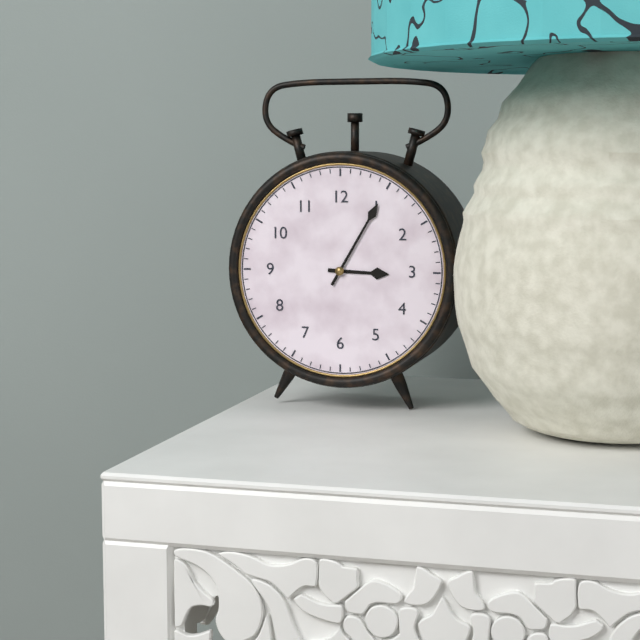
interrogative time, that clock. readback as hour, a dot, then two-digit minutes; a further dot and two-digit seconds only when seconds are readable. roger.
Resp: 3.05
